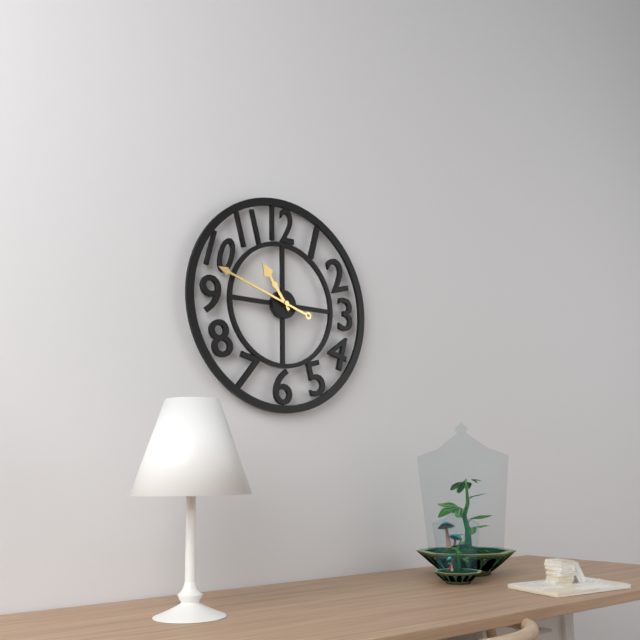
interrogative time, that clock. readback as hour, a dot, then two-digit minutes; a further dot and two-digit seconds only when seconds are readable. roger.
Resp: 10.48
